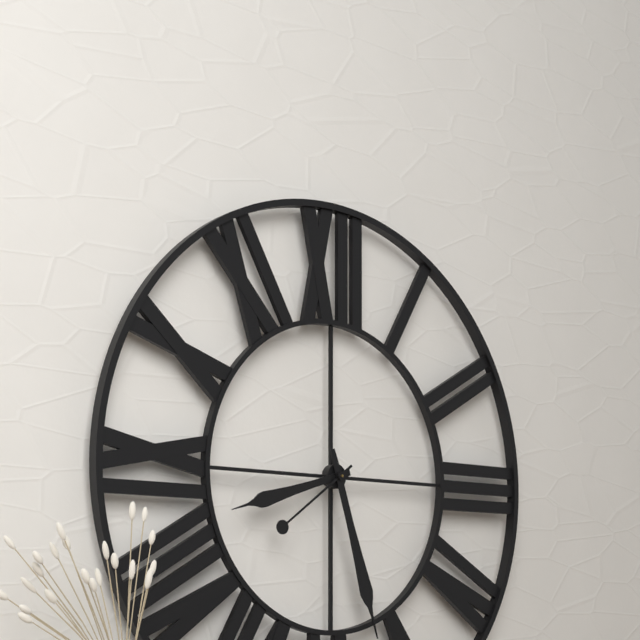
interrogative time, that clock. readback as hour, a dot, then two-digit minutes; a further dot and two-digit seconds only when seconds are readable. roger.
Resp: 8.27.39
